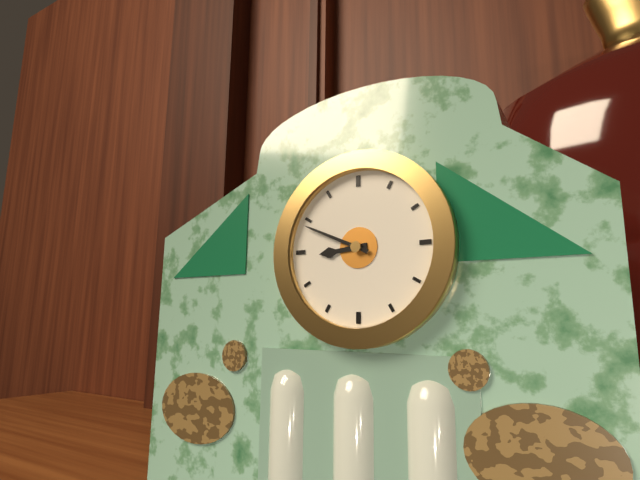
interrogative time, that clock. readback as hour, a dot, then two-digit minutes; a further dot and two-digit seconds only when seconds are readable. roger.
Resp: 8.49
